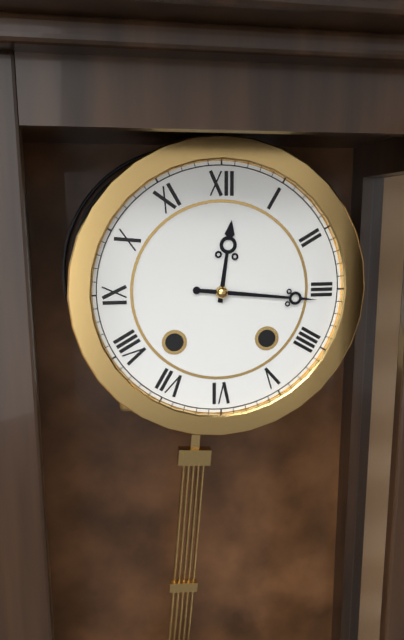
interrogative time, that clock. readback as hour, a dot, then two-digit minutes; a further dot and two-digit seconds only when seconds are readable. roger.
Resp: 12.16
